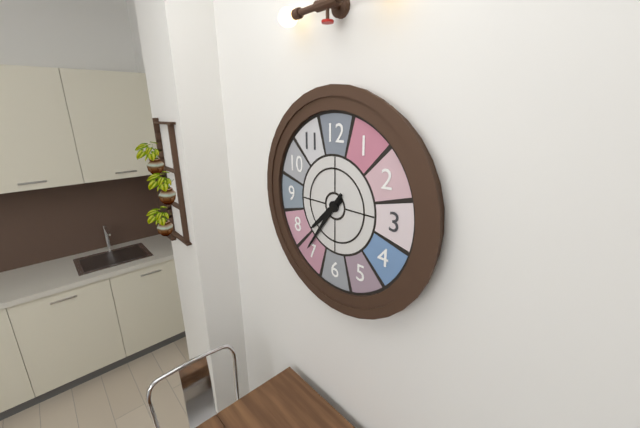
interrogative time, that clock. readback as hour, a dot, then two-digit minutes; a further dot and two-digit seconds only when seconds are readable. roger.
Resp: 7.36
